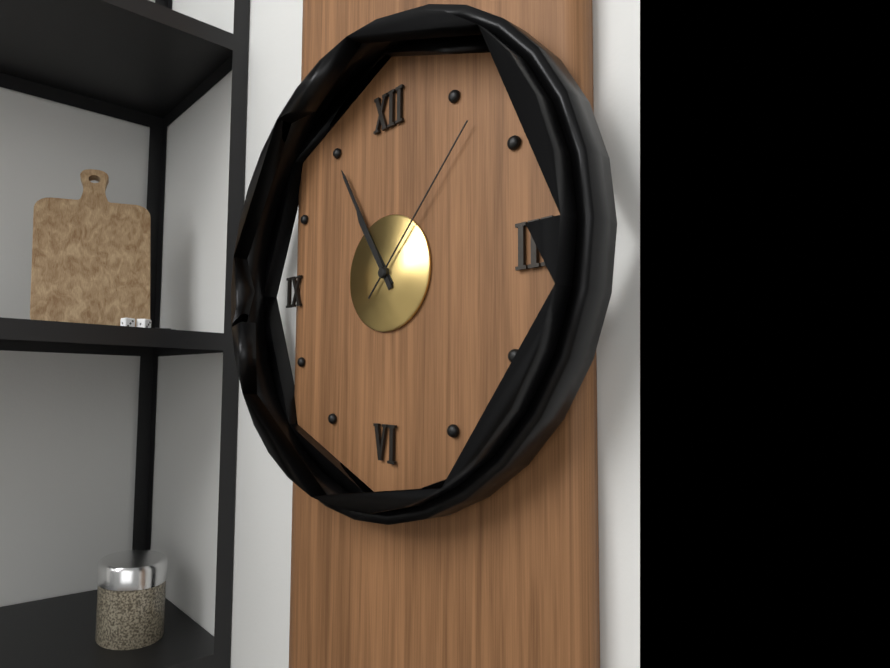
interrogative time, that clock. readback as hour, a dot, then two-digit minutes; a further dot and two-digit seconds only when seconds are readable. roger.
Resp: 10.55.07
